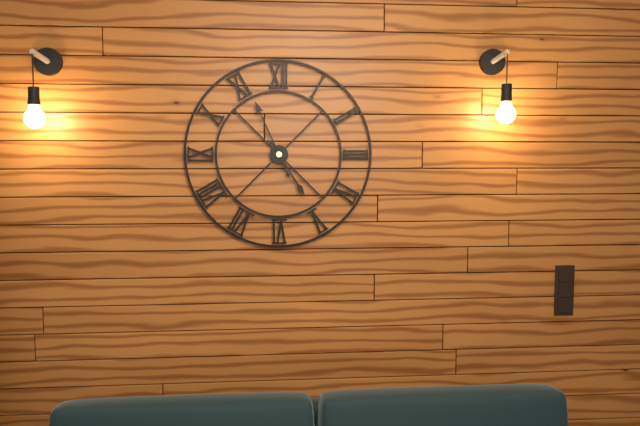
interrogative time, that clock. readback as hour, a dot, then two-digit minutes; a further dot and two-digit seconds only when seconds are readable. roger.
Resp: 4.56
